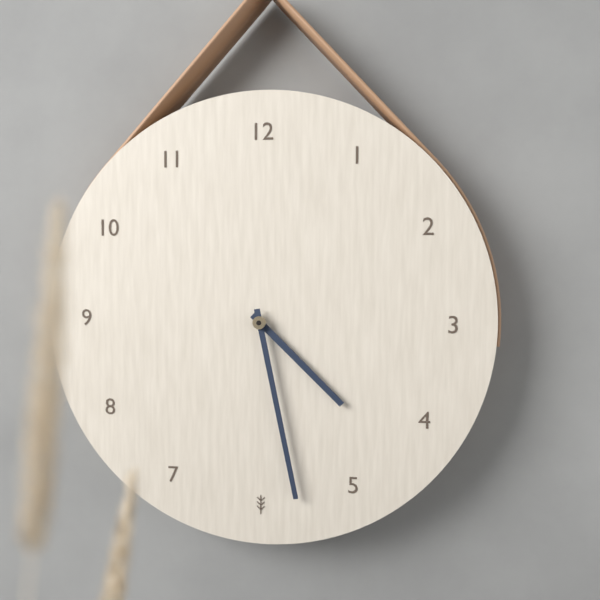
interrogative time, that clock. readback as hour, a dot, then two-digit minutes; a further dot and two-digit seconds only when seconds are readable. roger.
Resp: 4.28
